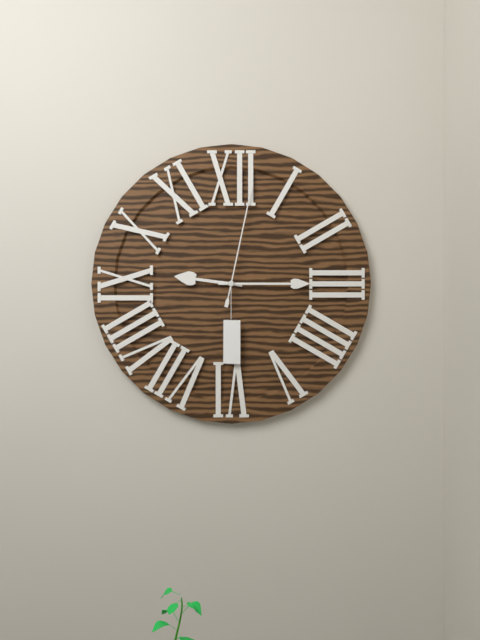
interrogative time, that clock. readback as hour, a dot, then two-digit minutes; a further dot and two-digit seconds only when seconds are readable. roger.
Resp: 9.15.02
